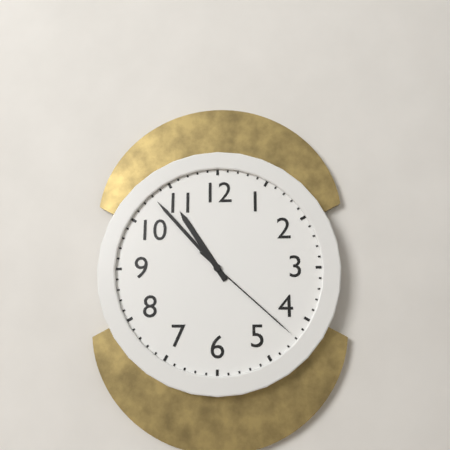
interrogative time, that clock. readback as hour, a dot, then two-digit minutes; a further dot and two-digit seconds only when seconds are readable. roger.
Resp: 10.53.22
